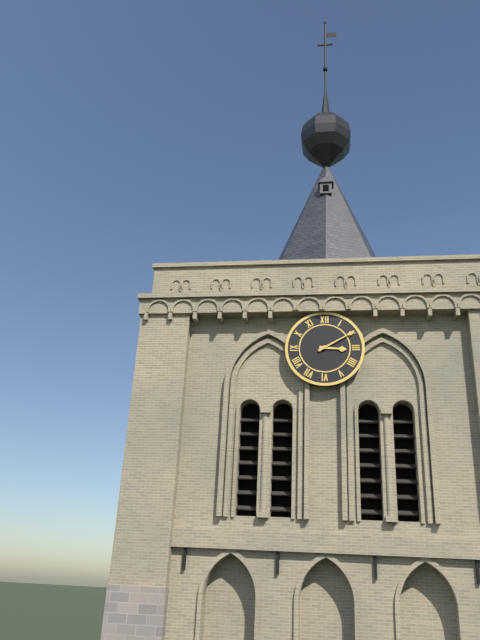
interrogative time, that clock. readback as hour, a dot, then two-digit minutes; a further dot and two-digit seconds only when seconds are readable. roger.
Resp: 3.10
